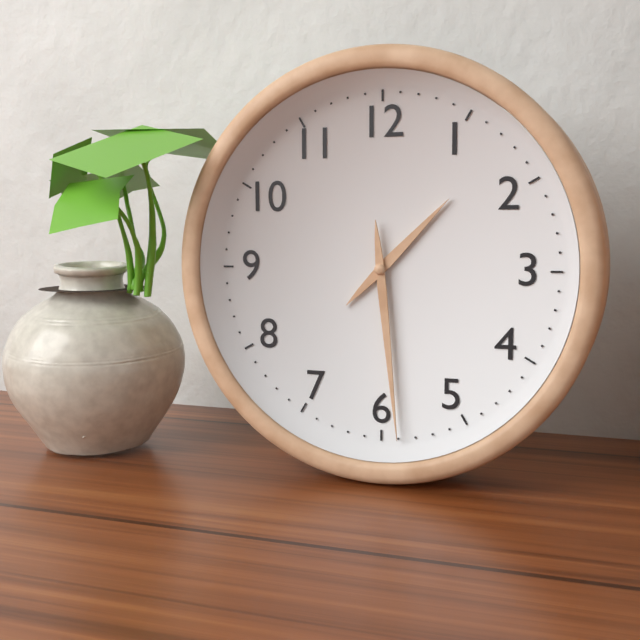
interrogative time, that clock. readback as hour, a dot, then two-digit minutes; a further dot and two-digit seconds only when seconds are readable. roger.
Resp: 1.29
